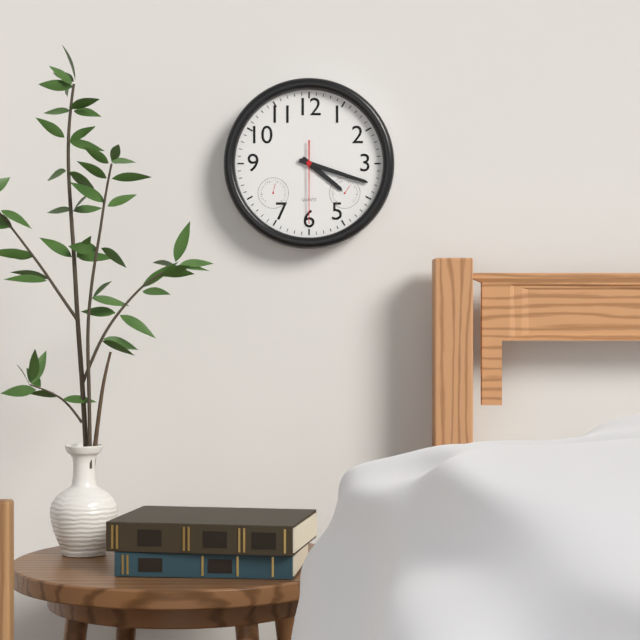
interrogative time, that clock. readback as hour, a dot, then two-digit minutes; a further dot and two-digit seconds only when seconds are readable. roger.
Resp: 4.18.30
